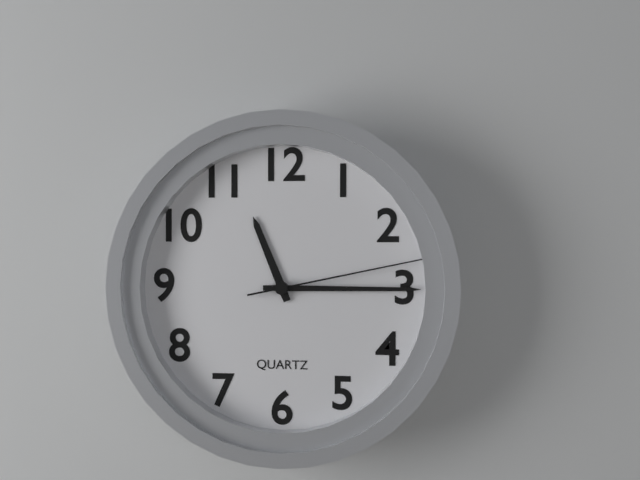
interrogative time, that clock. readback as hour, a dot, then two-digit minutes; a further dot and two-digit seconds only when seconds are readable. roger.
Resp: 11.15.13
